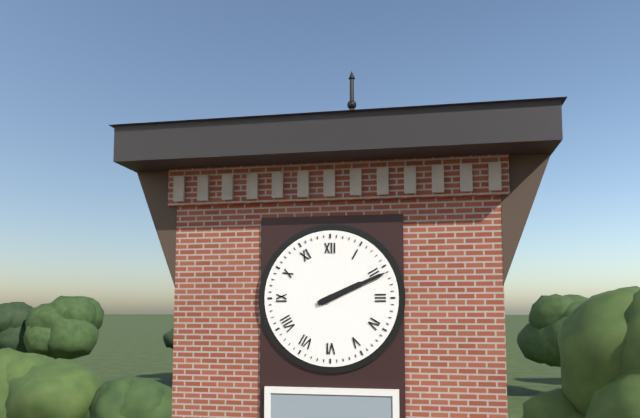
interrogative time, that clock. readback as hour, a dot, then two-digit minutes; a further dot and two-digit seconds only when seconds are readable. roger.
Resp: 2.11
